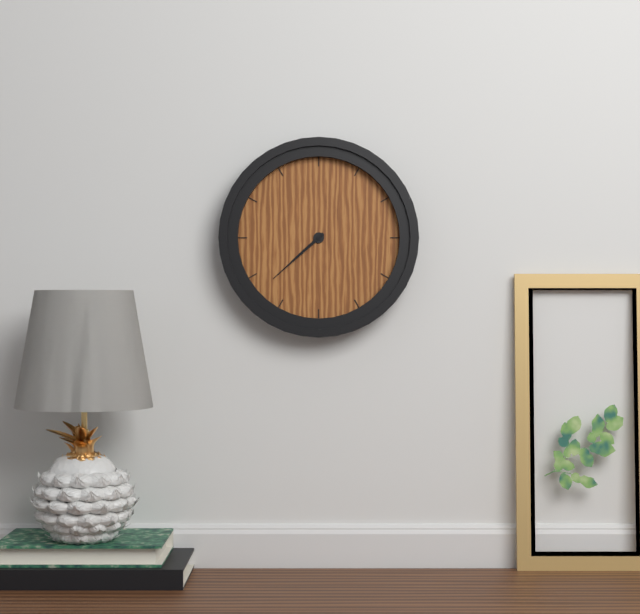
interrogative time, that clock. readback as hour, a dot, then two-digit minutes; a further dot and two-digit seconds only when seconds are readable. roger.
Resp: 7.38
